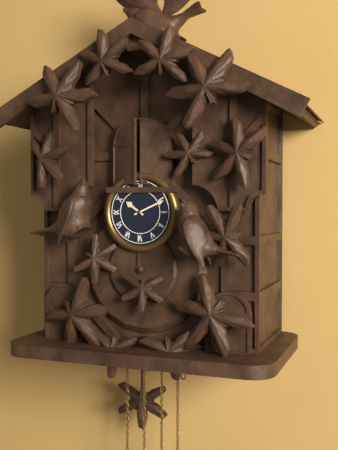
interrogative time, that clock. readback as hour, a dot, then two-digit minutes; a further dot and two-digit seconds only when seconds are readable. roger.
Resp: 10.11
